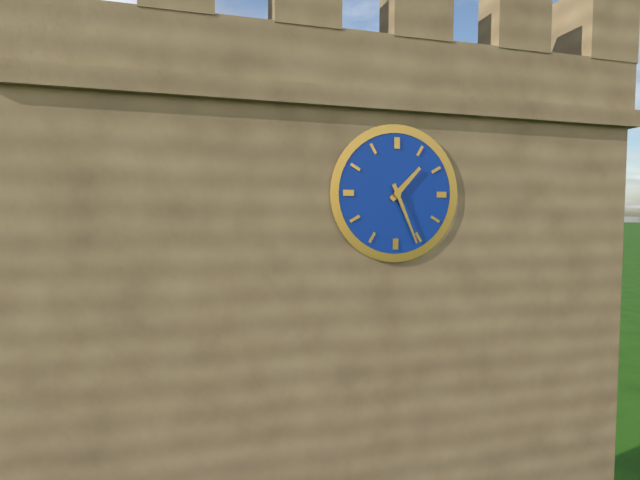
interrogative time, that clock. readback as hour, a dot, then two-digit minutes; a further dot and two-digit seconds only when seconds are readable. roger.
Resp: 1.26
